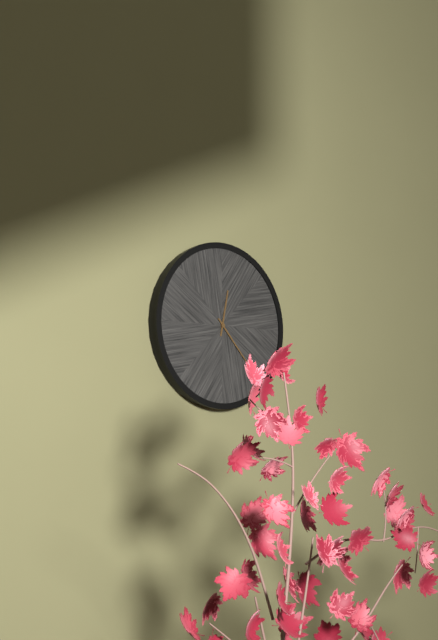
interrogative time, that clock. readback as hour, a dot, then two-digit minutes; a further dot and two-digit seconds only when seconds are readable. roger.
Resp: 12.23
